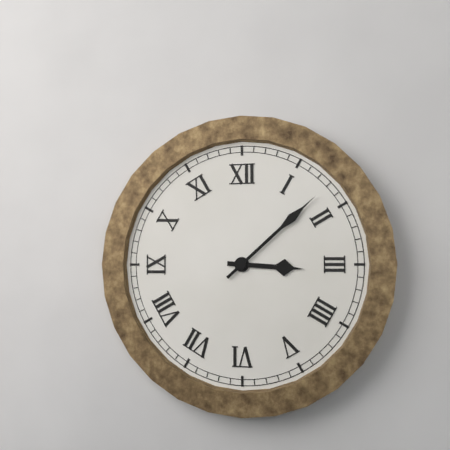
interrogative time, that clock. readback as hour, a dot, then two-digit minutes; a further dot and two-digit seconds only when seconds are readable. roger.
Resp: 3.08
